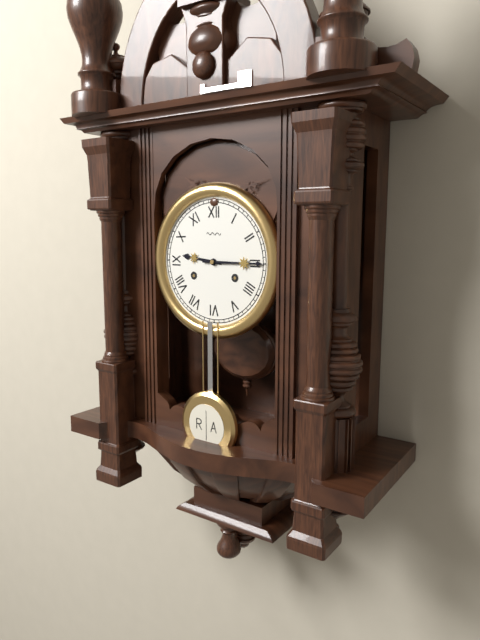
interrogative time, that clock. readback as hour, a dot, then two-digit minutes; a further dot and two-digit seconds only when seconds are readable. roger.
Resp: 9.15
